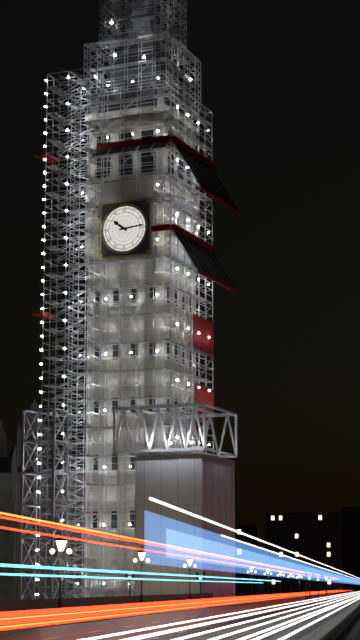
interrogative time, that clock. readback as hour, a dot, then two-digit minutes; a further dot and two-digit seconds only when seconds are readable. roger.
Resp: 10.14
